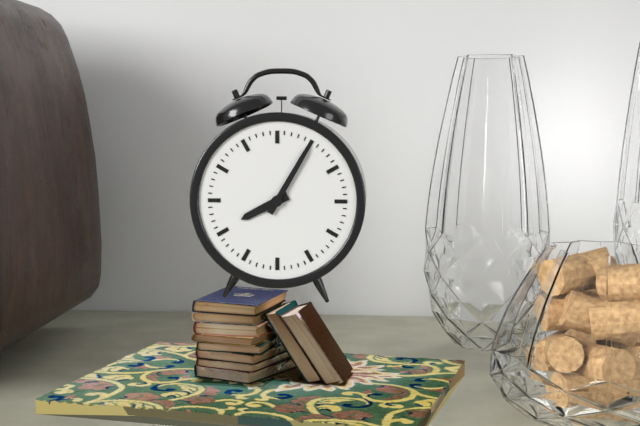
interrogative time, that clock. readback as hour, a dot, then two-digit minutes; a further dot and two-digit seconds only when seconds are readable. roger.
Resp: 8.05
